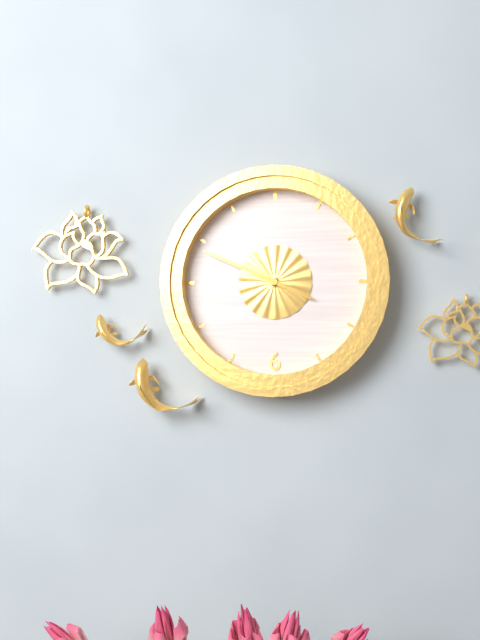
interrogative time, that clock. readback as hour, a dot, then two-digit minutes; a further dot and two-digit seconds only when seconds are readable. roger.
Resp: 3.49
